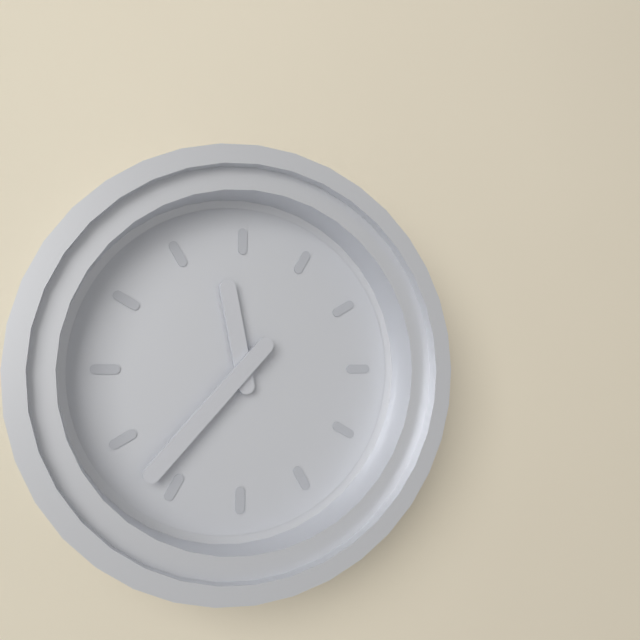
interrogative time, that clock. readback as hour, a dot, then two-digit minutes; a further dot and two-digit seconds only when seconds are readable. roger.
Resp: 11.37
